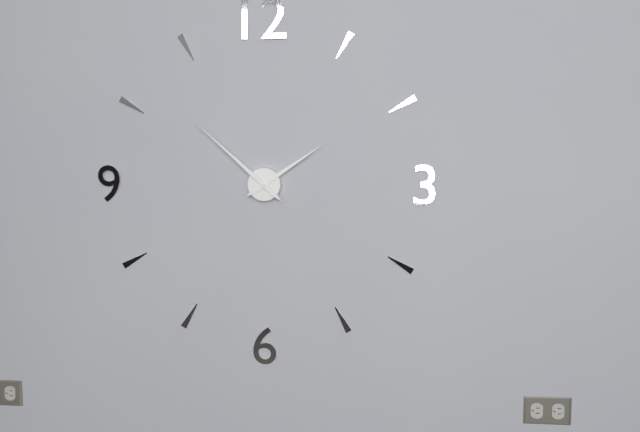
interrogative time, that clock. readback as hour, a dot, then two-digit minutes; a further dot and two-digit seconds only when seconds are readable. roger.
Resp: 1.52
